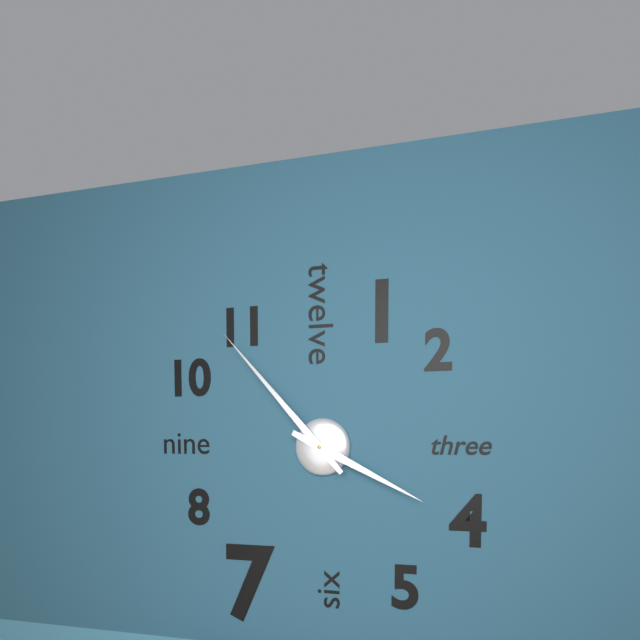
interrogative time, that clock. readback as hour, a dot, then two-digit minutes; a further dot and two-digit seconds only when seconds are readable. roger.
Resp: 3.53
